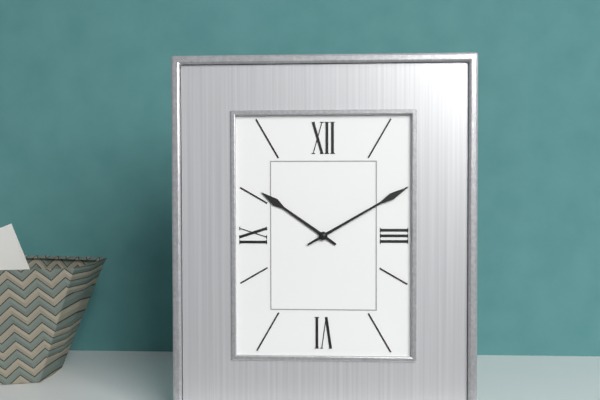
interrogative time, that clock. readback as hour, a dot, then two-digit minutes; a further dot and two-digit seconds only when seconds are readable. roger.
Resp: 10.10
